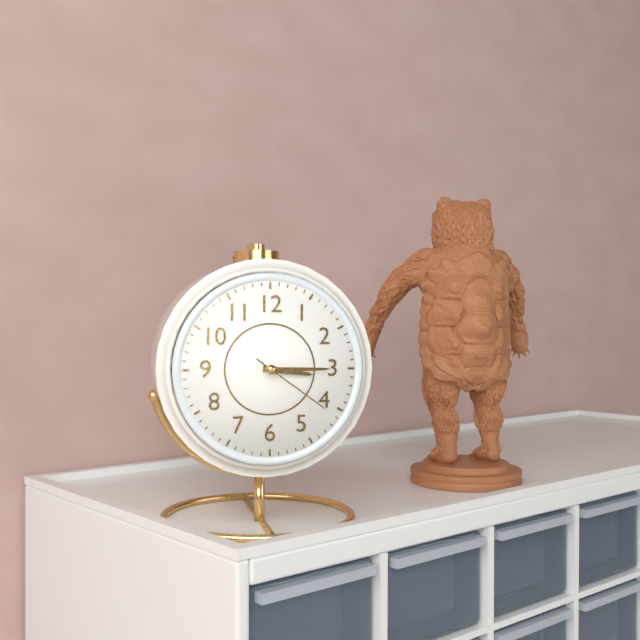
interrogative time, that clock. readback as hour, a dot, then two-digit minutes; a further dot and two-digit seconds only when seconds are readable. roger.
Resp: 3.15.21
